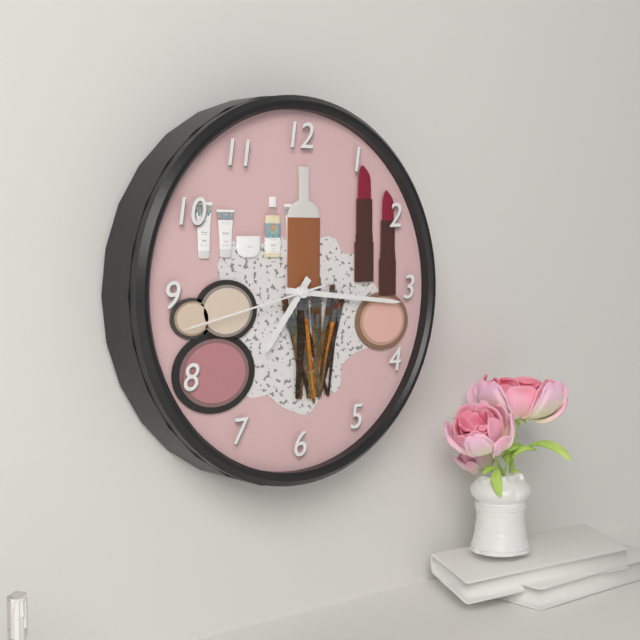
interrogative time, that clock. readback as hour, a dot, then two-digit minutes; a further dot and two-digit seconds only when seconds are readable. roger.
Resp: 7.16.43
